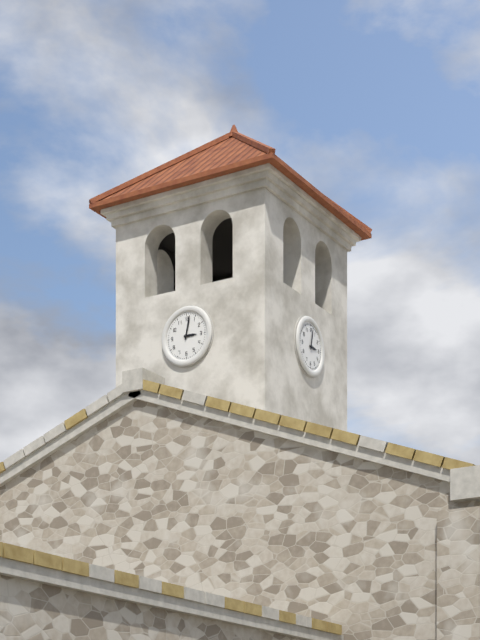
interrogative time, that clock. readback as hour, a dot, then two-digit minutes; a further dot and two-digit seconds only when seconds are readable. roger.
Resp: 3.02
